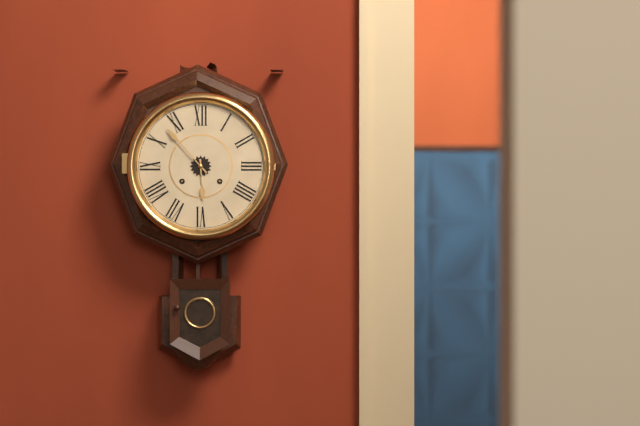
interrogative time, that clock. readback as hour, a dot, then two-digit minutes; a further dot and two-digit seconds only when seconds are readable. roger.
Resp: 5.53
